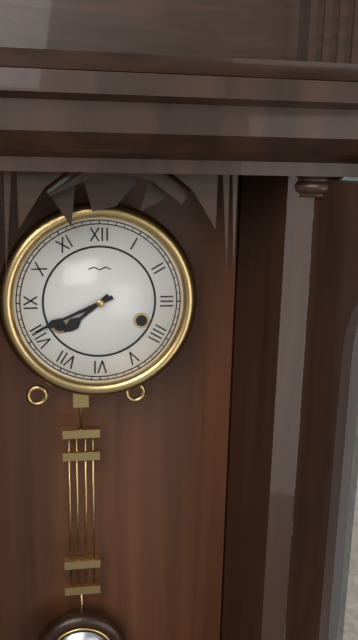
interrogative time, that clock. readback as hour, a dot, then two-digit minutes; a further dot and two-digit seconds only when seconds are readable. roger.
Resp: 7.41
